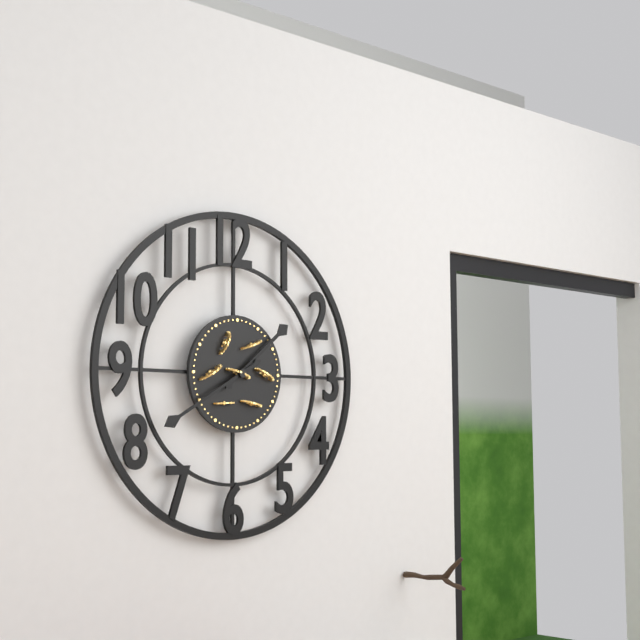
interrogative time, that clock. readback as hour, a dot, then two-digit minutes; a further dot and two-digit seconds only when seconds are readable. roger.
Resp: 1.40
